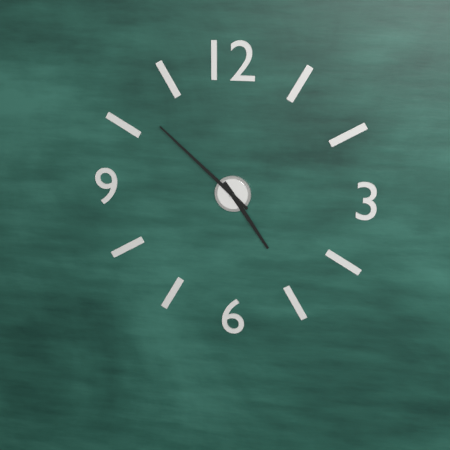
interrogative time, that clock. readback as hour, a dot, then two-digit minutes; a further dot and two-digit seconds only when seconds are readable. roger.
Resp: 4.52
